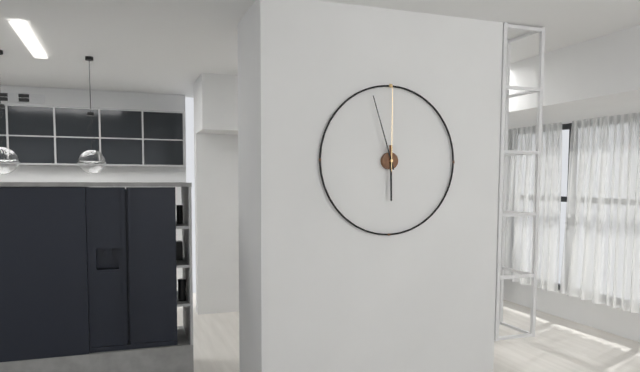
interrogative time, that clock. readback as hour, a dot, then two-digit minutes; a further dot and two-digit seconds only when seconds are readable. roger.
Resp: 5.57.00
